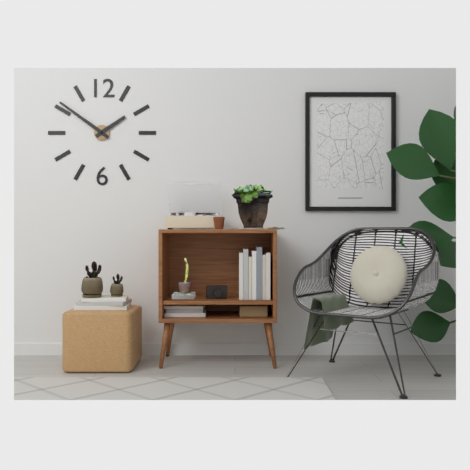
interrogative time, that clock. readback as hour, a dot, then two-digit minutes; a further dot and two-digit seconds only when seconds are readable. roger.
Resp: 1.51
